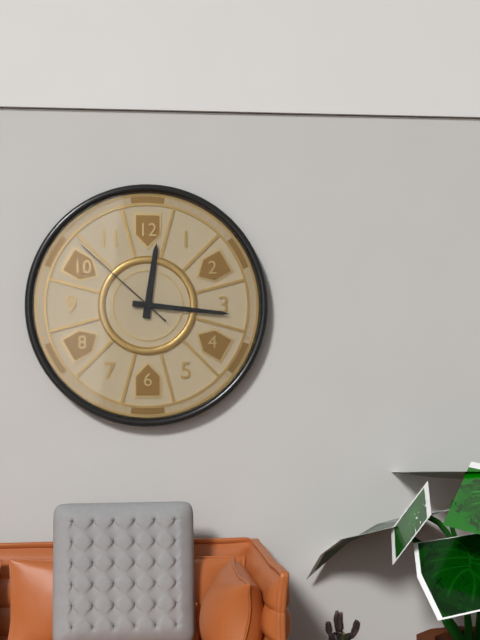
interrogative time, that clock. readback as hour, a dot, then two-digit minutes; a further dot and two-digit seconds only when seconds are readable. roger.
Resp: 12.16.52
